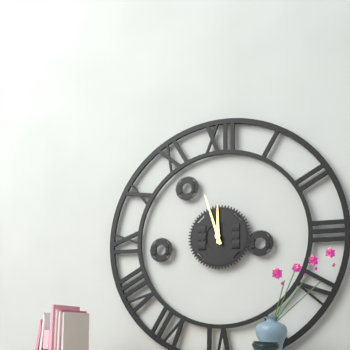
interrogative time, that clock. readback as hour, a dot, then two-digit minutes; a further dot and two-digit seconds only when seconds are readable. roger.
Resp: 11.57
